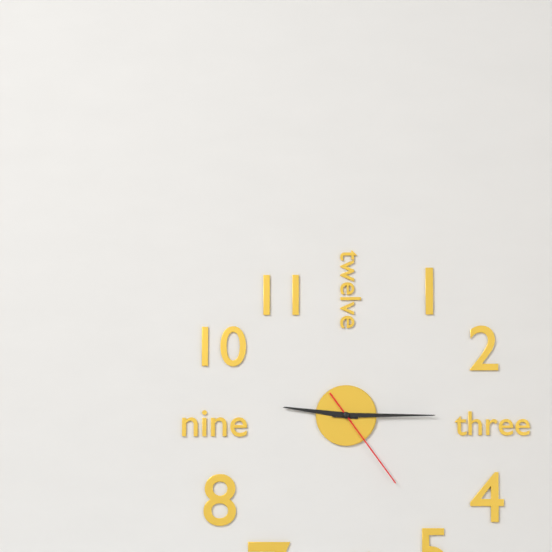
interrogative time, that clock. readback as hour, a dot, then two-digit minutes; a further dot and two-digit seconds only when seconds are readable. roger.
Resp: 9.15.24
